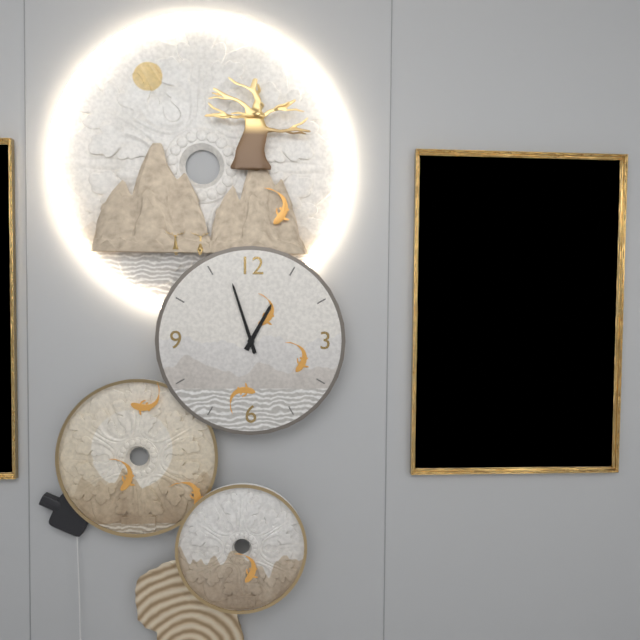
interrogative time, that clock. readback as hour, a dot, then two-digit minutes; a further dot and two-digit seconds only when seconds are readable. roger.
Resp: 12.57
